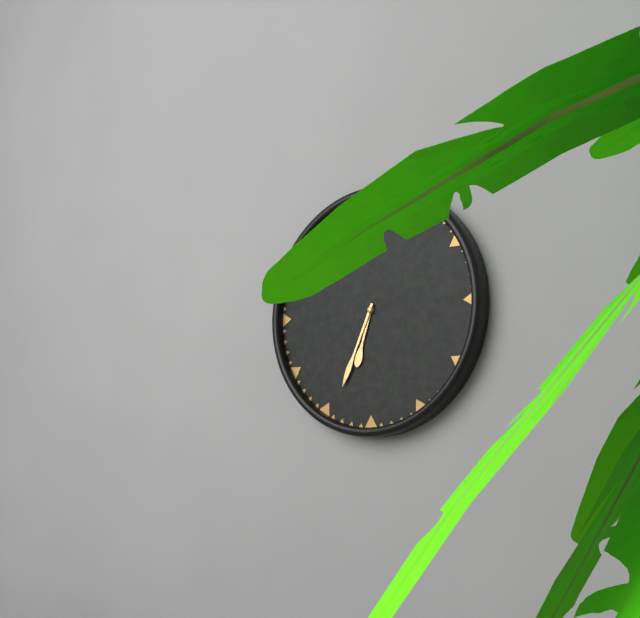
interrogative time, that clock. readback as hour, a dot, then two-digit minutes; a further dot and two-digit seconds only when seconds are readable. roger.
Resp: 6.34
